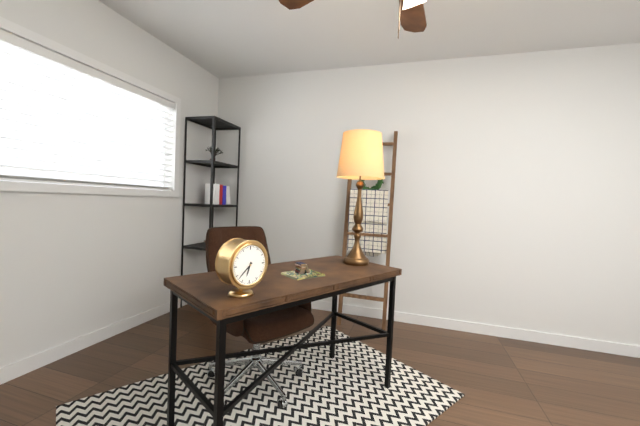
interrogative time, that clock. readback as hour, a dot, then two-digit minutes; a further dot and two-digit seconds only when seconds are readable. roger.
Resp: 6.38
